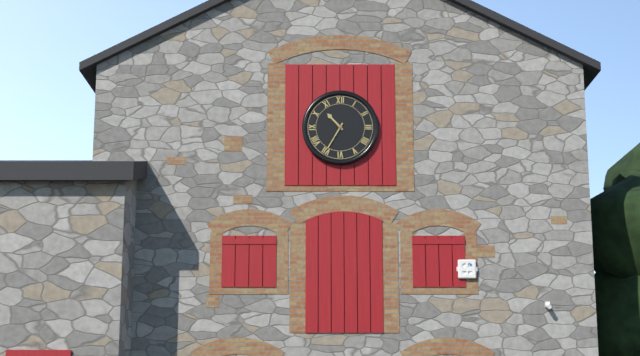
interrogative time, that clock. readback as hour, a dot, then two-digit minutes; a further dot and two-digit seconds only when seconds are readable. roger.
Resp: 10.35
